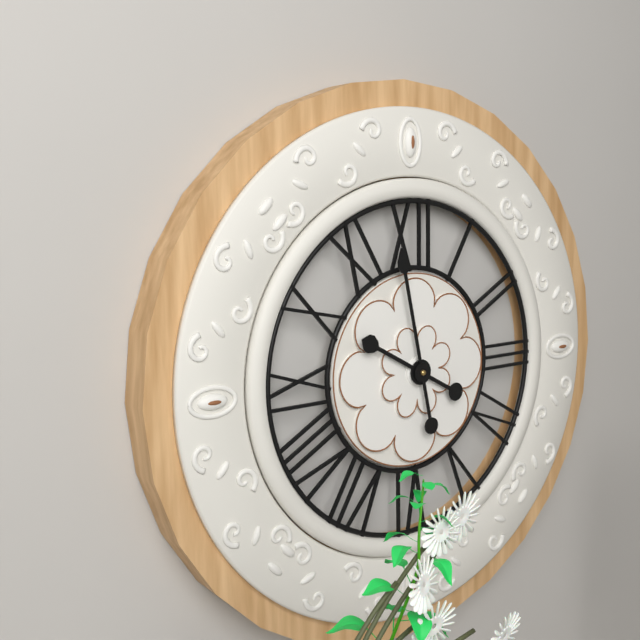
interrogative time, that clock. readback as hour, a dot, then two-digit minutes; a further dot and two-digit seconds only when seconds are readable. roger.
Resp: 9.58
